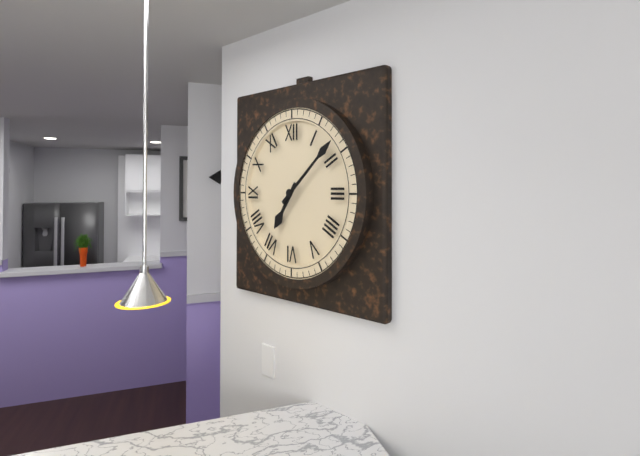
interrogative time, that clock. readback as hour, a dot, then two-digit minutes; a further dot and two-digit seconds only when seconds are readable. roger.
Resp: 7.08
